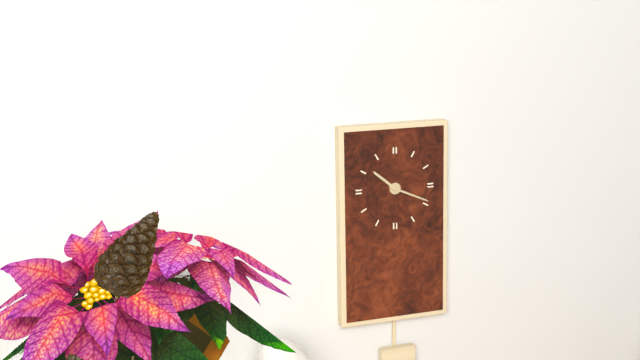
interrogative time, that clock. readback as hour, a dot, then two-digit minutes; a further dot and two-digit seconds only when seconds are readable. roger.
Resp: 10.19
